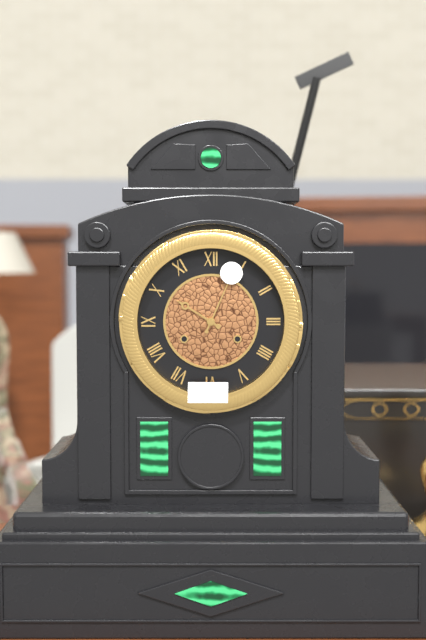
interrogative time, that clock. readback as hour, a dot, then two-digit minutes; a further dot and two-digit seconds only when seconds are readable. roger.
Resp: 10.04
